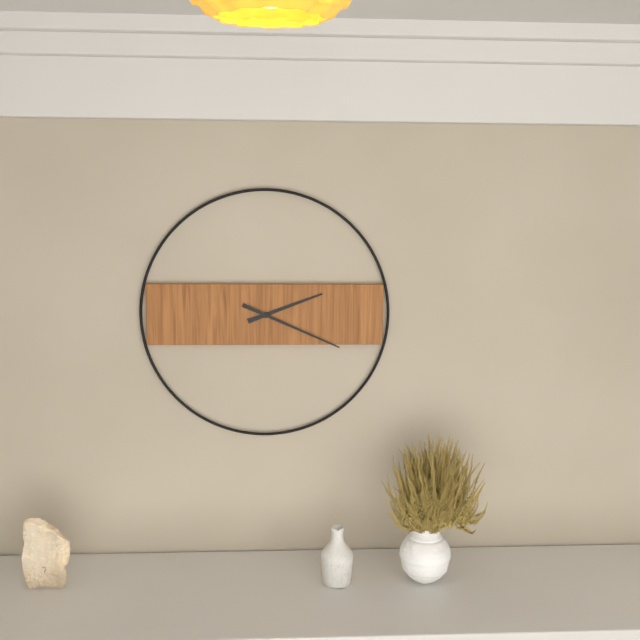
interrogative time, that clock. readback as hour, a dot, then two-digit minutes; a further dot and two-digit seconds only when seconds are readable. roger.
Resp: 2.19
